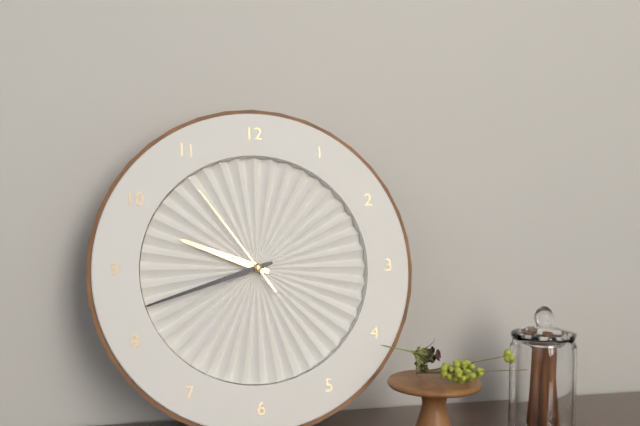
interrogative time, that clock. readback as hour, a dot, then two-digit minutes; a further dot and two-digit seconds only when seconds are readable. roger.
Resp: 9.42.54
